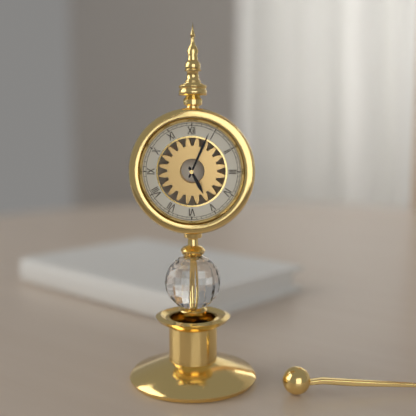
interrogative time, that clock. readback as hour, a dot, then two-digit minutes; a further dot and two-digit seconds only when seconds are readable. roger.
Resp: 5.04
